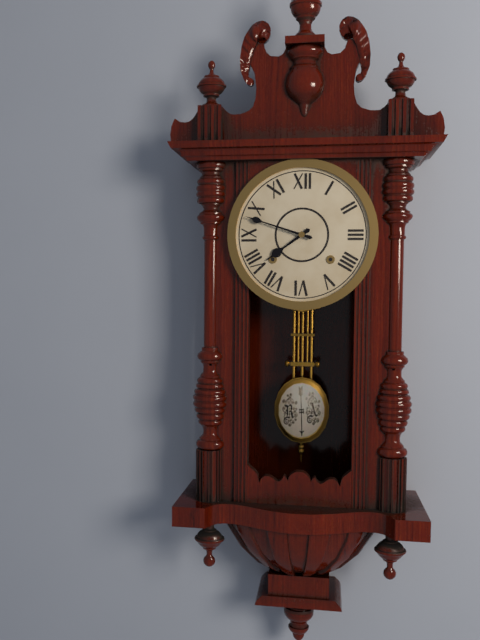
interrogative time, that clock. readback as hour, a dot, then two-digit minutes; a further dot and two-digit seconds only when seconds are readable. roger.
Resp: 7.48
